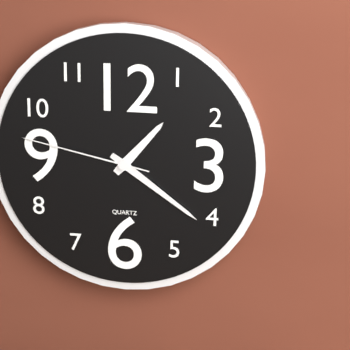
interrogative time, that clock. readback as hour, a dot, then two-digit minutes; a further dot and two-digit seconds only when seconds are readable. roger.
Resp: 1.21.47
